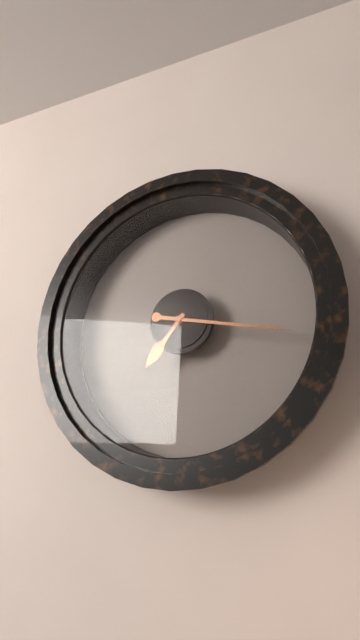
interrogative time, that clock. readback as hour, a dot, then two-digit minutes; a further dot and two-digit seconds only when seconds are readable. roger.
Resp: 7.17
